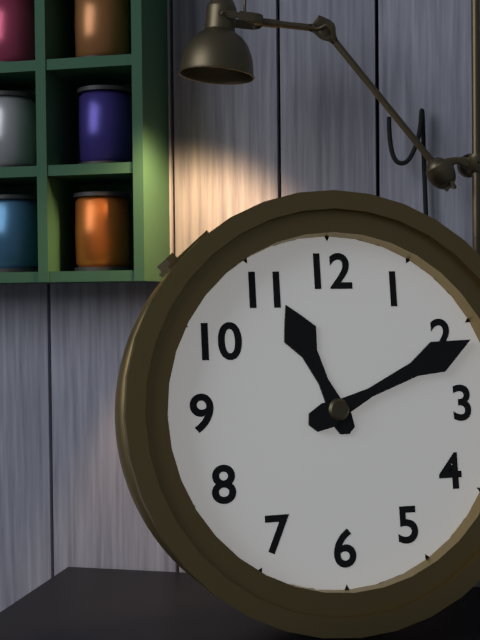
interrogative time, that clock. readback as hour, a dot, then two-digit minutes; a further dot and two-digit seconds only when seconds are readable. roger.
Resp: 11.11
